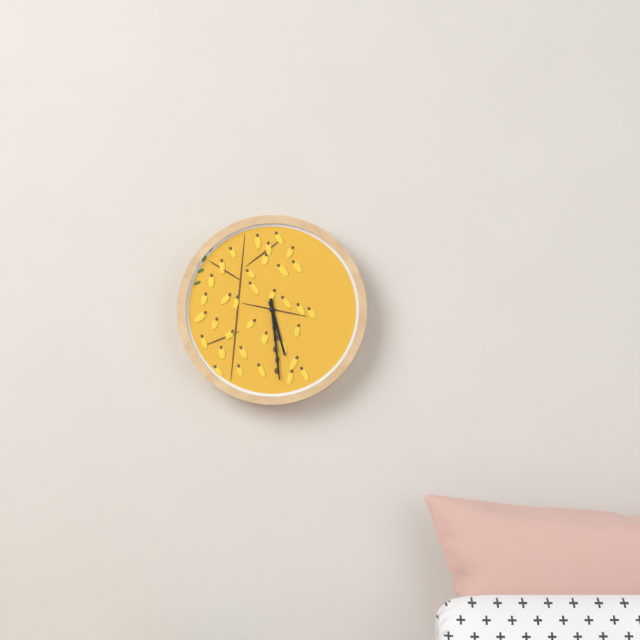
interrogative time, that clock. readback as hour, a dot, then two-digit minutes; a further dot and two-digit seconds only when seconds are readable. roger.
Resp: 5.29
